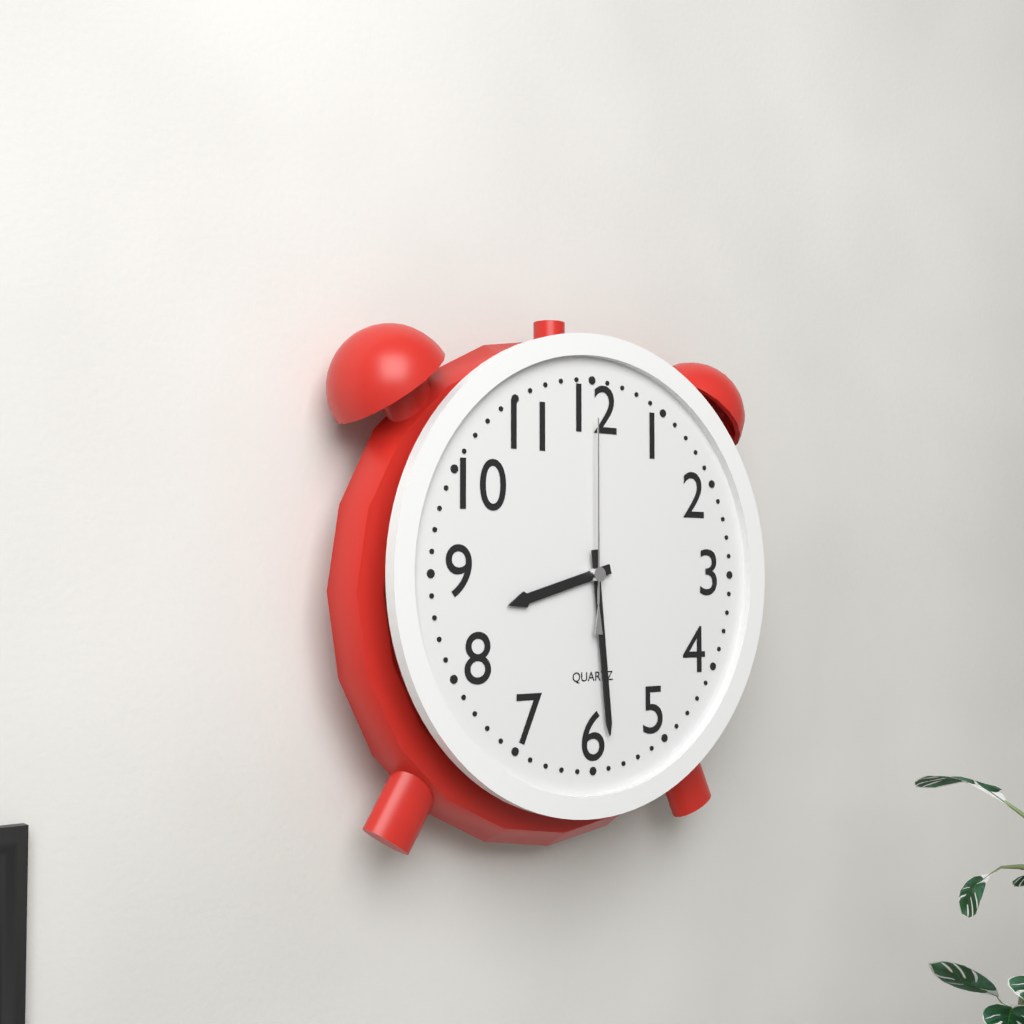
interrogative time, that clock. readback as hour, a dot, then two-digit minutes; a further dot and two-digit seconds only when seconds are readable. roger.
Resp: 8.29.00
